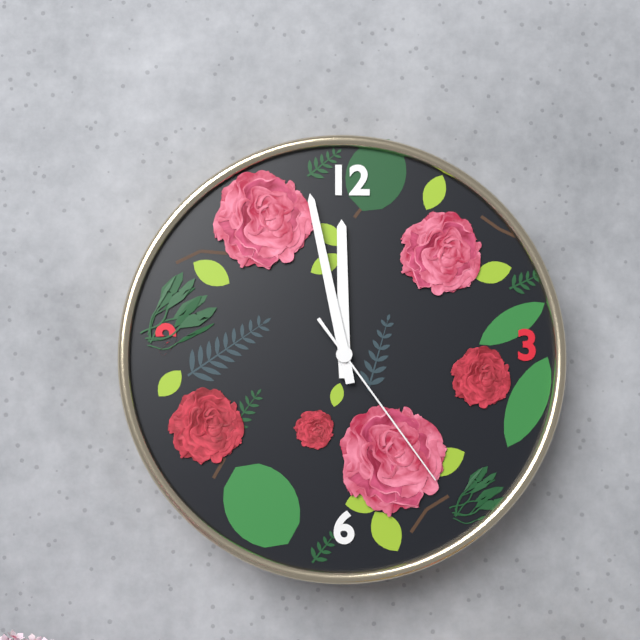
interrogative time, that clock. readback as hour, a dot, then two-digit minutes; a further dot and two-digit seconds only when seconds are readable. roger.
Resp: 11.58.24
